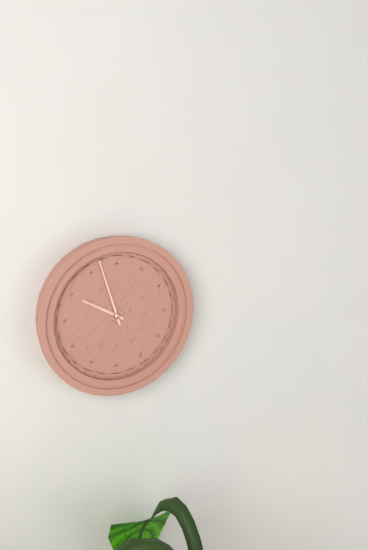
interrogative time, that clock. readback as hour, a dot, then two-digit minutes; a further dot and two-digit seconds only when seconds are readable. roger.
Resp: 9.57
